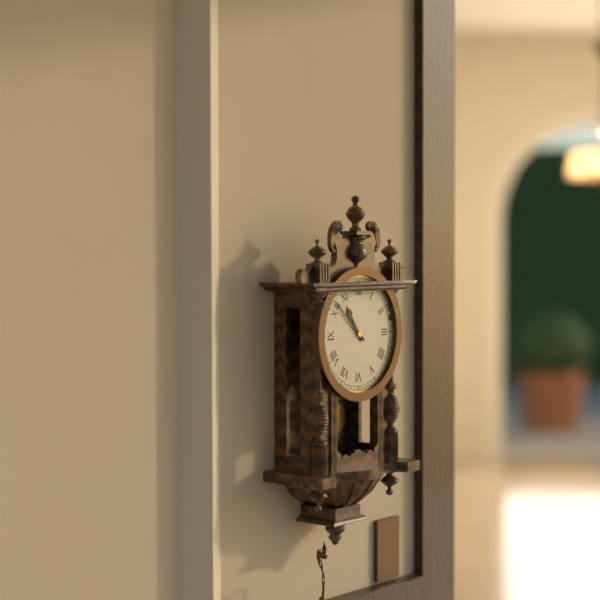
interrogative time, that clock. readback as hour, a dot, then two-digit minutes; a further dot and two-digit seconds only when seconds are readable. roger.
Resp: 10.52
